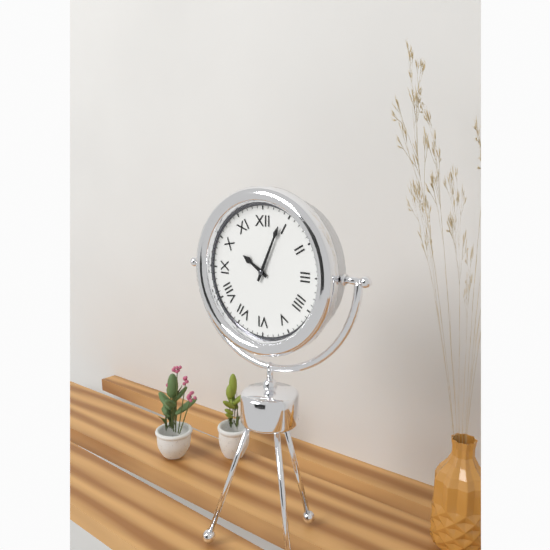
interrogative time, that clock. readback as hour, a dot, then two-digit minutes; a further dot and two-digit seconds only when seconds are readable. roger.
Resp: 10.04
